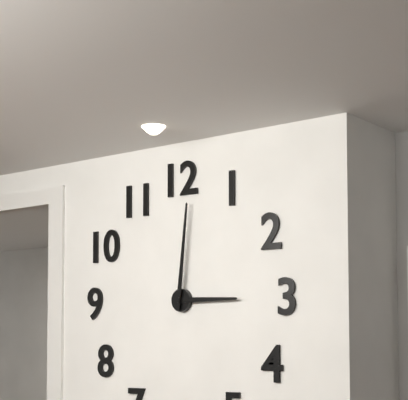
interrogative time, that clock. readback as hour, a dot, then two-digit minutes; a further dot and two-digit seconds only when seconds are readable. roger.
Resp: 3.01
